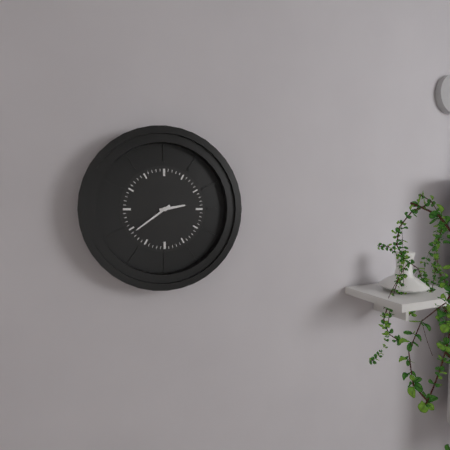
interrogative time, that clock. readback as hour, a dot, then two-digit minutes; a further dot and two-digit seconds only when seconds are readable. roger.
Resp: 2.39
